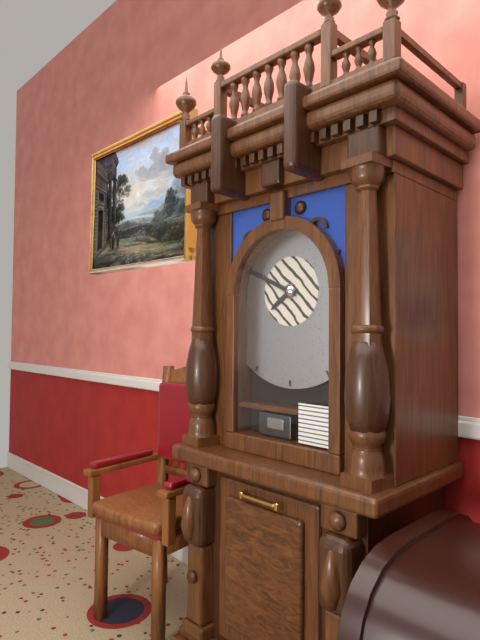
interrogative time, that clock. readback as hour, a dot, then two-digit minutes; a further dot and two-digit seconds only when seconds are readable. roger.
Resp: 7.49
